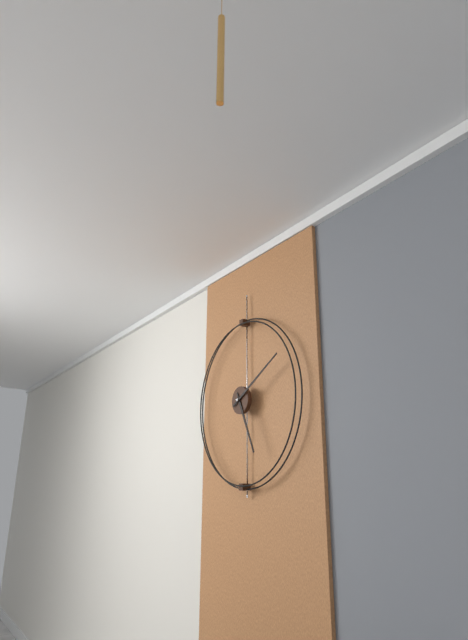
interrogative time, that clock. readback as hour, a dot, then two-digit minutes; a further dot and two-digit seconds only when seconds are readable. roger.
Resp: 5.10
